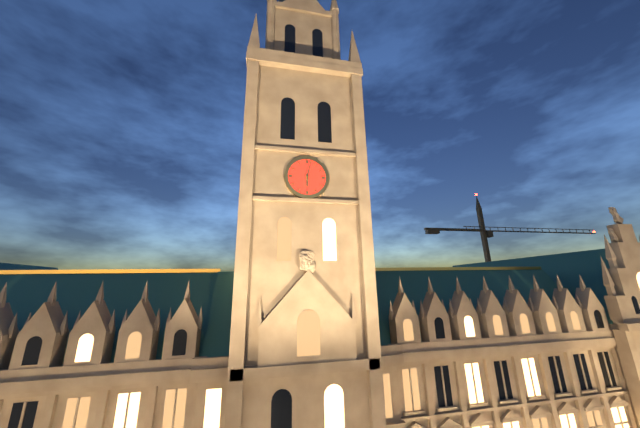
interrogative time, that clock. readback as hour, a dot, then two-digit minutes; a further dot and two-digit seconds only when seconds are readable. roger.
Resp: 6.02
